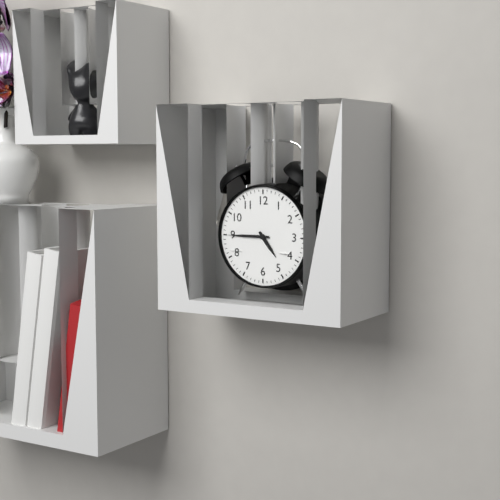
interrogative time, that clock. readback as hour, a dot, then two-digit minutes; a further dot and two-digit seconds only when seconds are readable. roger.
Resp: 4.45
